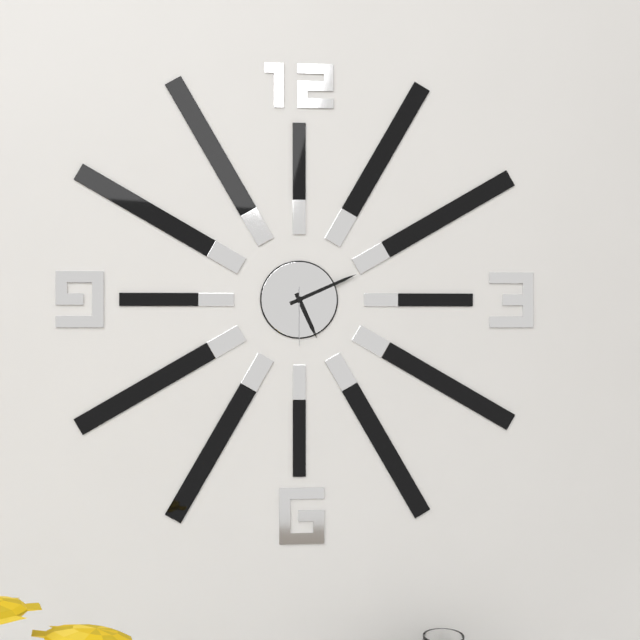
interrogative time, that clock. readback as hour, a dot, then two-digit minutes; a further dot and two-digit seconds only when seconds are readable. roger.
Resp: 5.11.30
